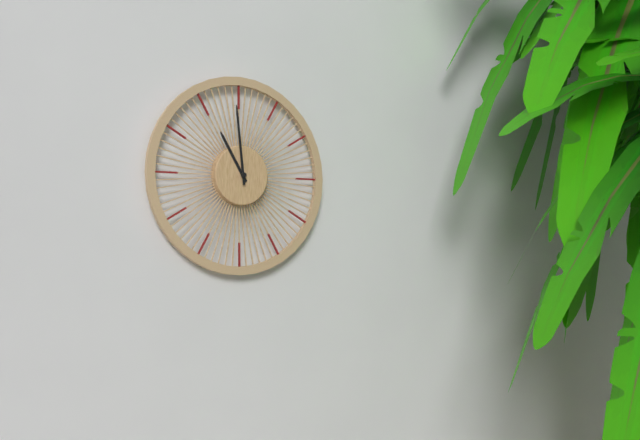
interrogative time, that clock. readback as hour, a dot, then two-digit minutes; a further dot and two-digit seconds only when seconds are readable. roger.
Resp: 10.59
